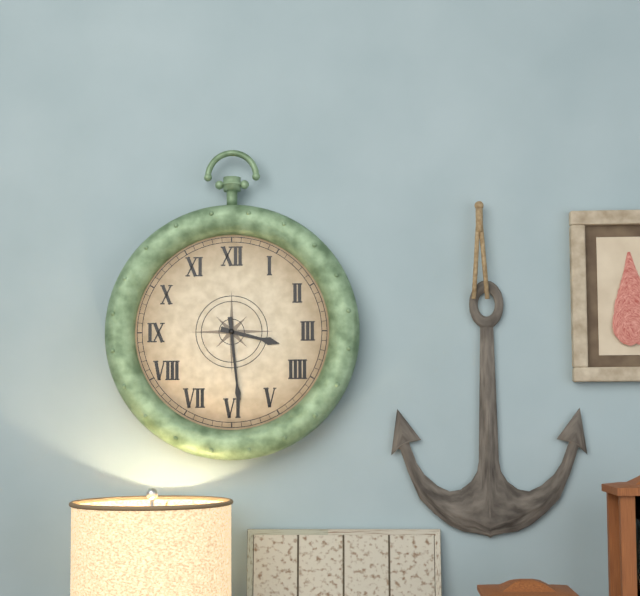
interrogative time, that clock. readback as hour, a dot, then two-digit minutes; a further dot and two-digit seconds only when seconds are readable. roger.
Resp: 3.29
